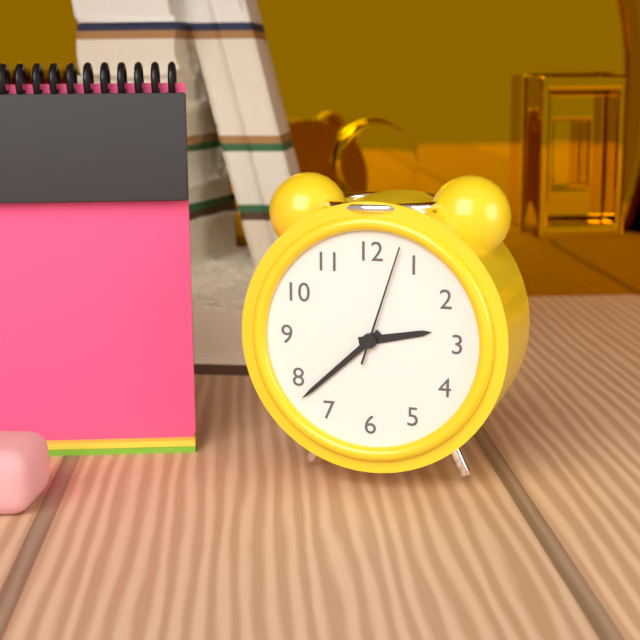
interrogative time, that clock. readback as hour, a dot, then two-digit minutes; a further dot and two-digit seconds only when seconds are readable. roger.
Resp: 2.38.03
